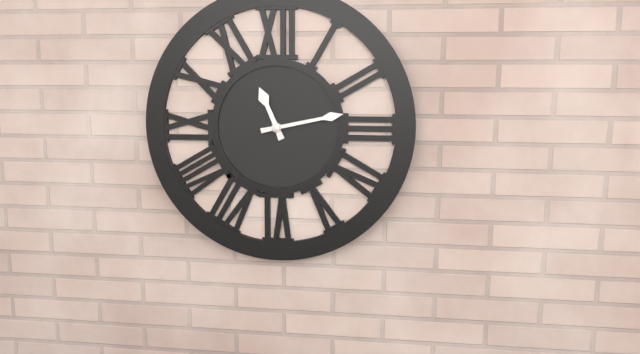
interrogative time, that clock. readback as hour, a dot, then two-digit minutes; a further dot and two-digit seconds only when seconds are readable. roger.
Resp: 11.13
